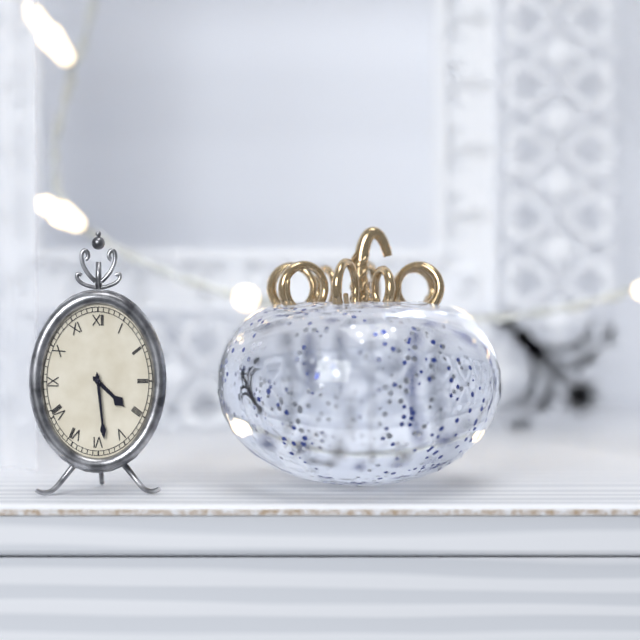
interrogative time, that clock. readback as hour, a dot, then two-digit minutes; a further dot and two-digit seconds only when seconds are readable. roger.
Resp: 4.29
